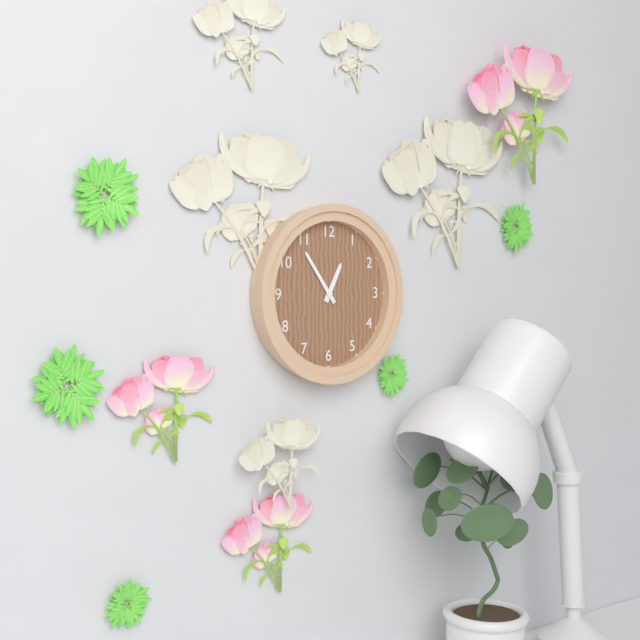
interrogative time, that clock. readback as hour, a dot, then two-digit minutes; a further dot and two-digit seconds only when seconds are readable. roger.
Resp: 12.54
